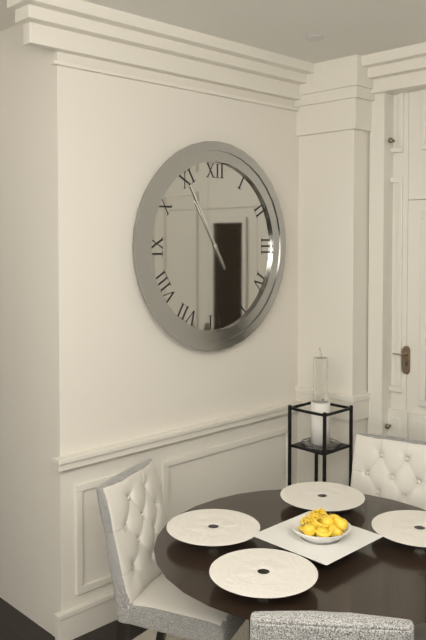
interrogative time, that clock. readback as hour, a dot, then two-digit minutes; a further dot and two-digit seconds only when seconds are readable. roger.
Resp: 10.55
